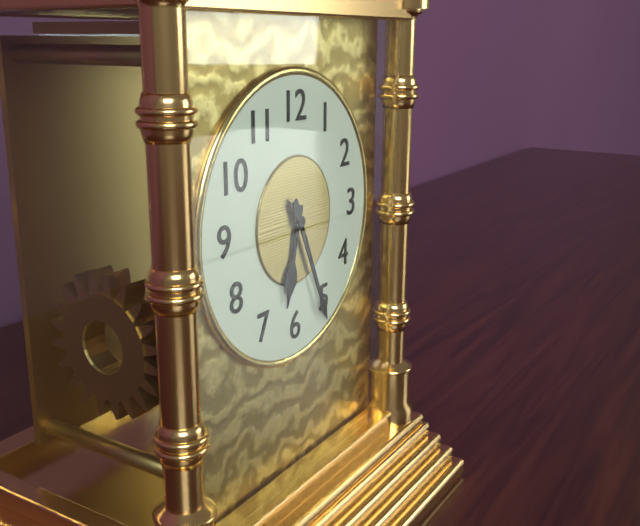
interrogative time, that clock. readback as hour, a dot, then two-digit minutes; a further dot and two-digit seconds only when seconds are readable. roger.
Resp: 6.26
